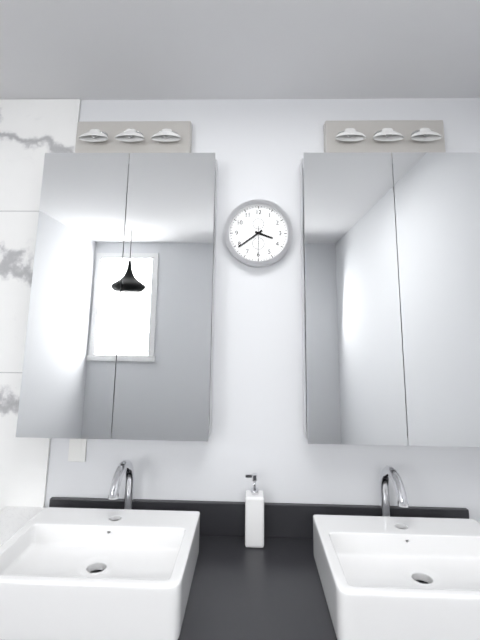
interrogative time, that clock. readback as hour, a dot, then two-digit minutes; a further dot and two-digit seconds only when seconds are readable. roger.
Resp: 3.39
